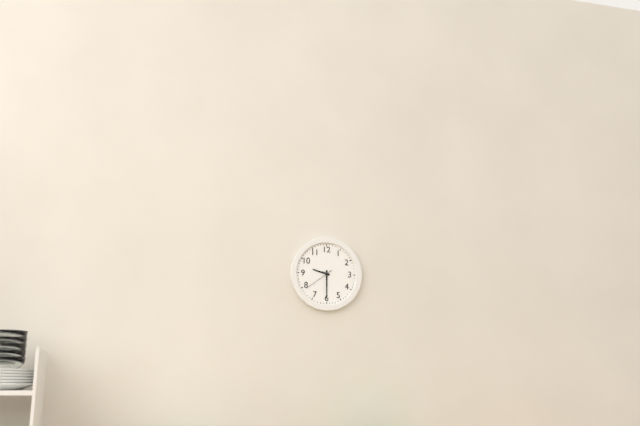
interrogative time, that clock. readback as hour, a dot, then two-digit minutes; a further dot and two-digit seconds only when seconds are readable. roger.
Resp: 9.30
